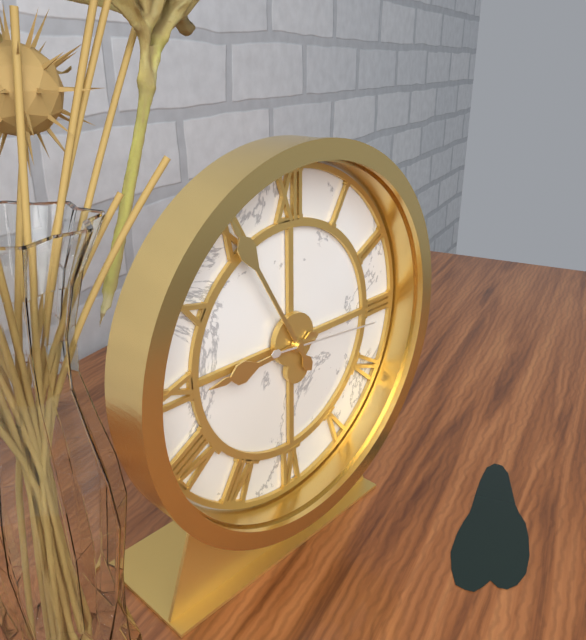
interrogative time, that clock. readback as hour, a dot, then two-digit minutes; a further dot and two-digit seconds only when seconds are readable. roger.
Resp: 8.55.16
